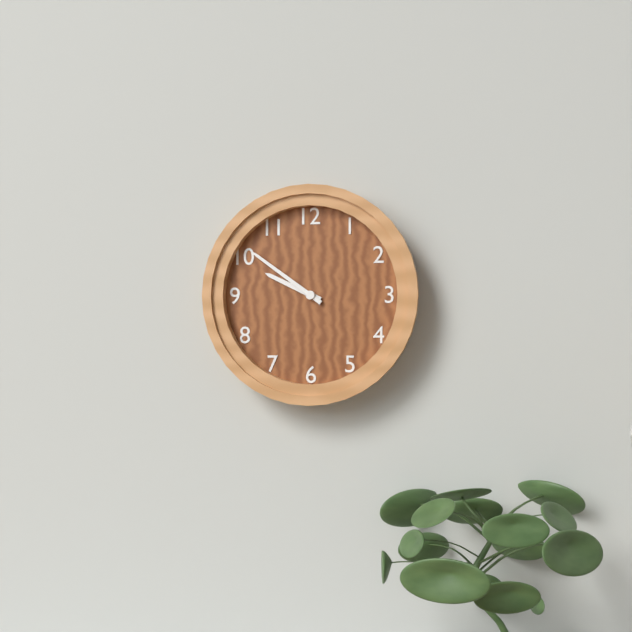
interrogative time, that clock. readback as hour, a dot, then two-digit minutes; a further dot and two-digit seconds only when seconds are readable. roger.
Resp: 9.51
